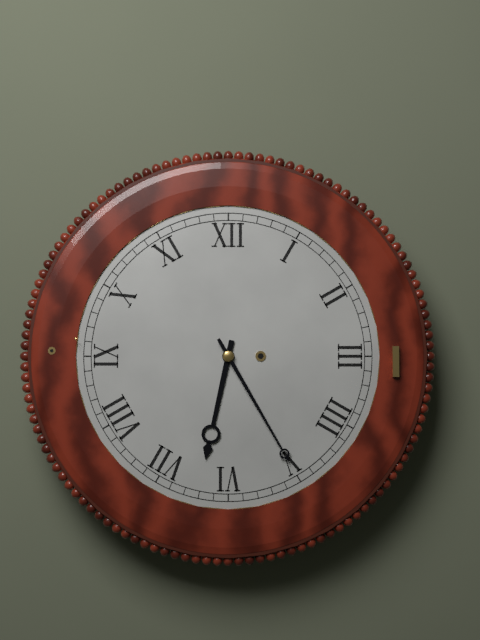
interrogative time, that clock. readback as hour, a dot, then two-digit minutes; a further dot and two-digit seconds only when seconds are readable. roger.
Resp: 6.25
